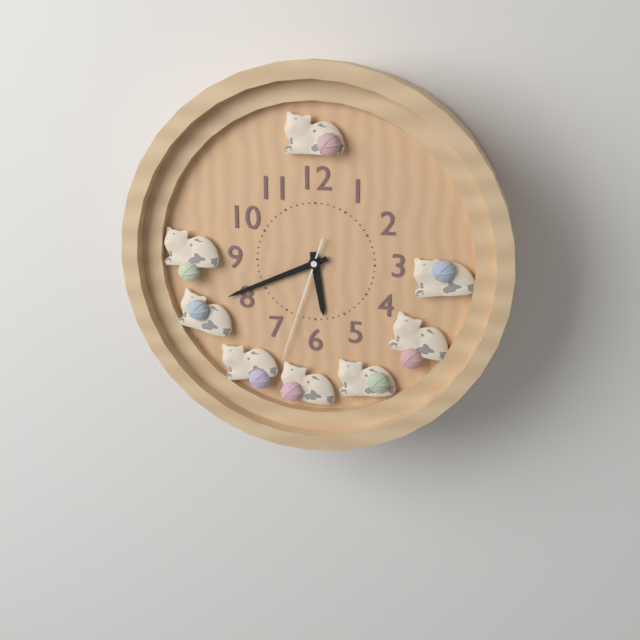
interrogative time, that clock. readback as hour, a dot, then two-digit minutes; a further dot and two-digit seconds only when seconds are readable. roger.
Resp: 5.41.33
